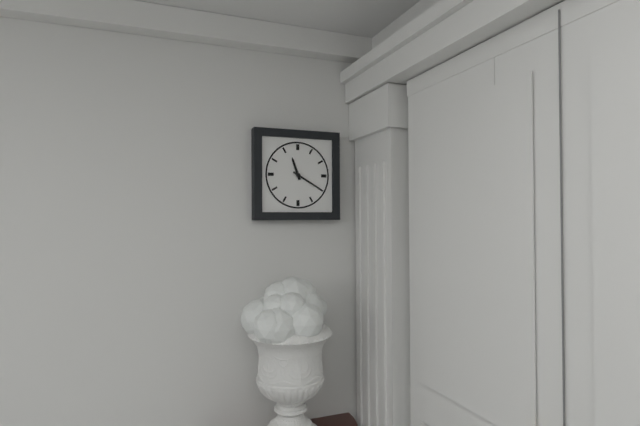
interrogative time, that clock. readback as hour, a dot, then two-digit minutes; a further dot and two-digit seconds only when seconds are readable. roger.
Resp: 11.20
